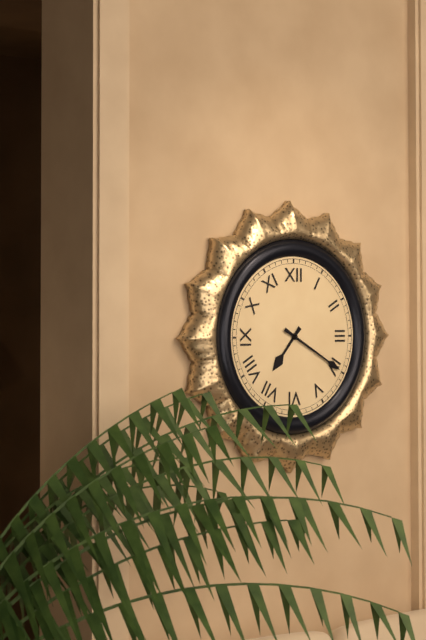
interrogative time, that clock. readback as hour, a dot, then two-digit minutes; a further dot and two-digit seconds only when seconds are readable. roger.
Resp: 7.20
